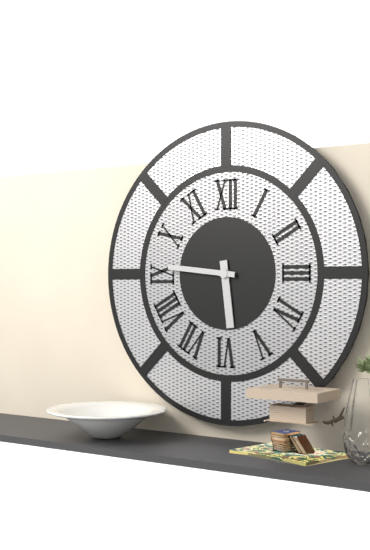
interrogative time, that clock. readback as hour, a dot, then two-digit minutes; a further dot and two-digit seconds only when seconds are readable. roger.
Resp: 5.46
